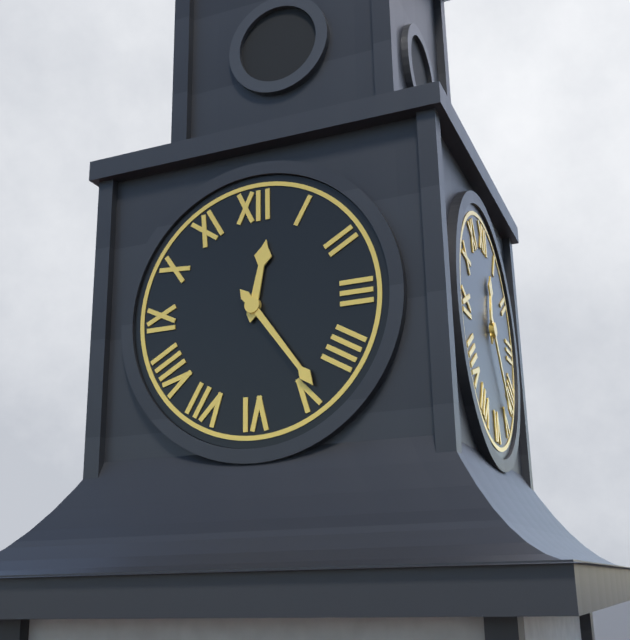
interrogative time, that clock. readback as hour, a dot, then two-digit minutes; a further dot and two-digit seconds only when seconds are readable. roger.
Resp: 12.24
